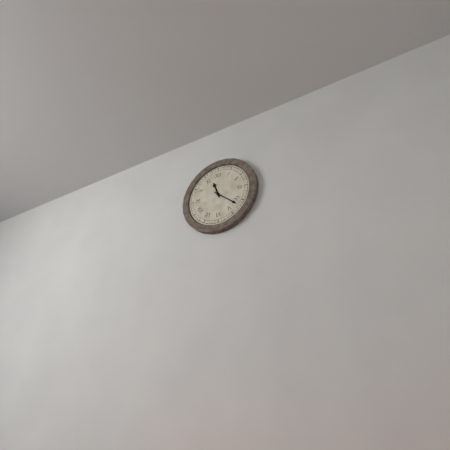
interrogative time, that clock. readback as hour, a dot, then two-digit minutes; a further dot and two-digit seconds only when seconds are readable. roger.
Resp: 11.22
